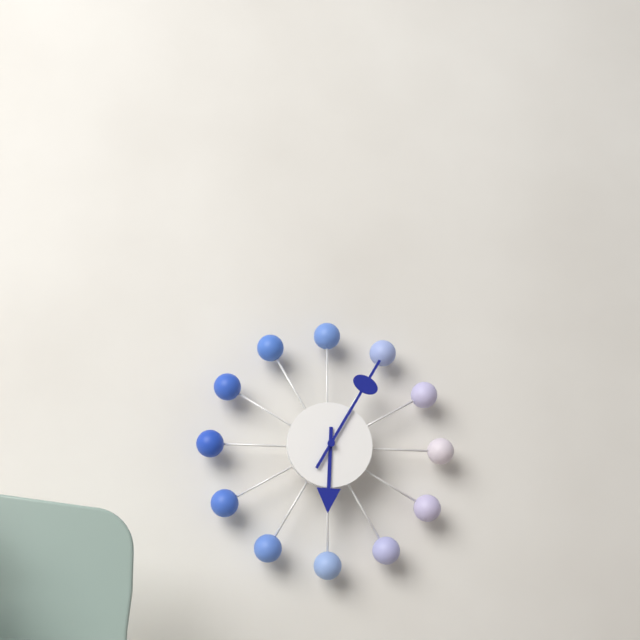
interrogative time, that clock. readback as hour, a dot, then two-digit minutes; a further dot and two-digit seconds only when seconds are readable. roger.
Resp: 6.05
